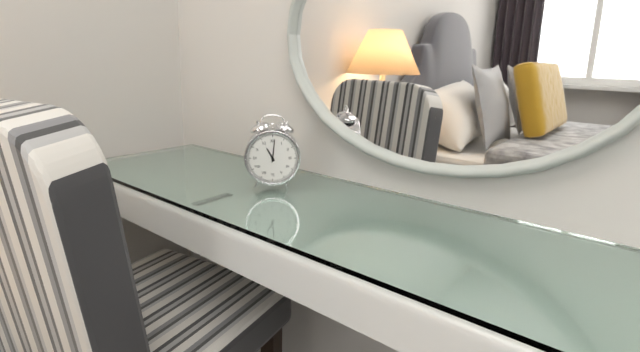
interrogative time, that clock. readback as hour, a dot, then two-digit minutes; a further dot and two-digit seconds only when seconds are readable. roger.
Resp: 11.01
